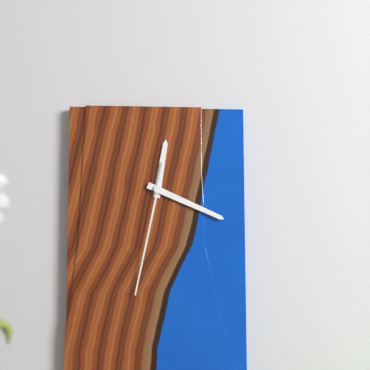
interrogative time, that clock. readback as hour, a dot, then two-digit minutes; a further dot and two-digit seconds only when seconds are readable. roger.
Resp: 12.19.32
